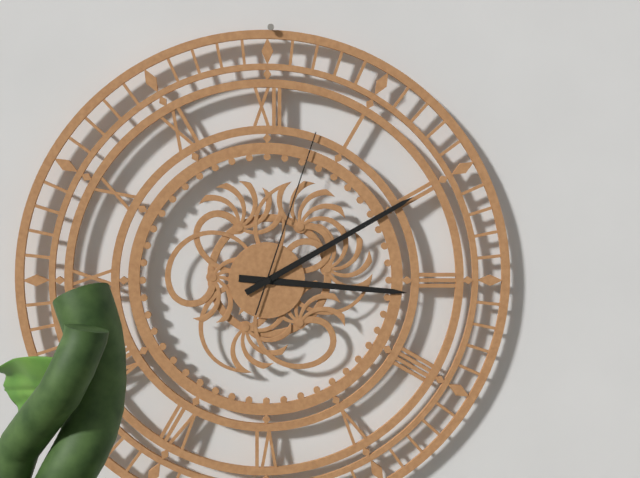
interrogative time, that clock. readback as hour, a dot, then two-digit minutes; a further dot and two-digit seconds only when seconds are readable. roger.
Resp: 3.10.03
